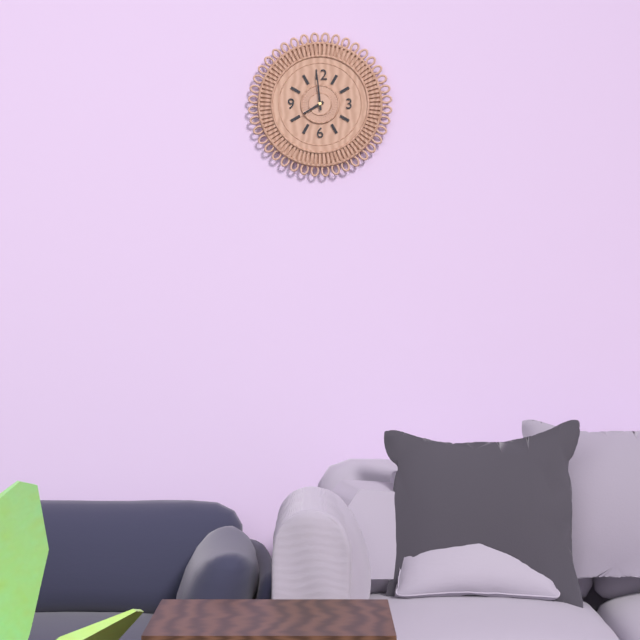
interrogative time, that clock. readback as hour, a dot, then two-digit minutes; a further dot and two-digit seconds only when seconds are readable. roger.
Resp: 7.59
